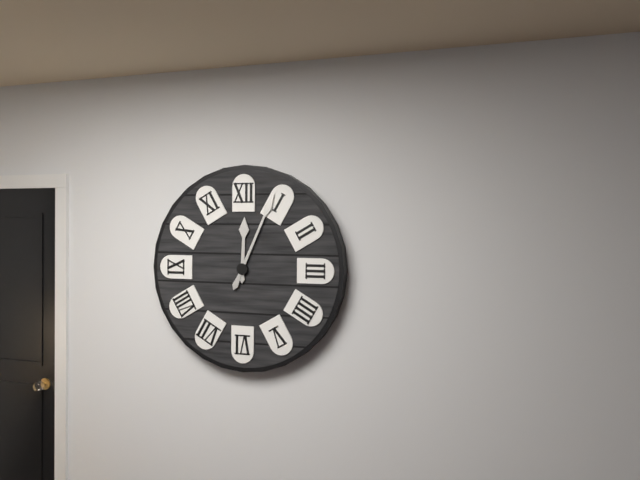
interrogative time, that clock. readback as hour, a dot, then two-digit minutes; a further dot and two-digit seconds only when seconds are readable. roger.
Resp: 12.04
